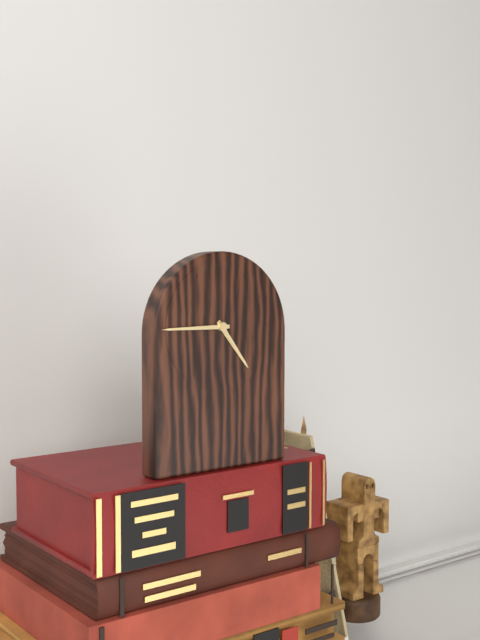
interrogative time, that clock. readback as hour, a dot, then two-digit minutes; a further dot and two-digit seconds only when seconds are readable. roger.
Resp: 4.45
